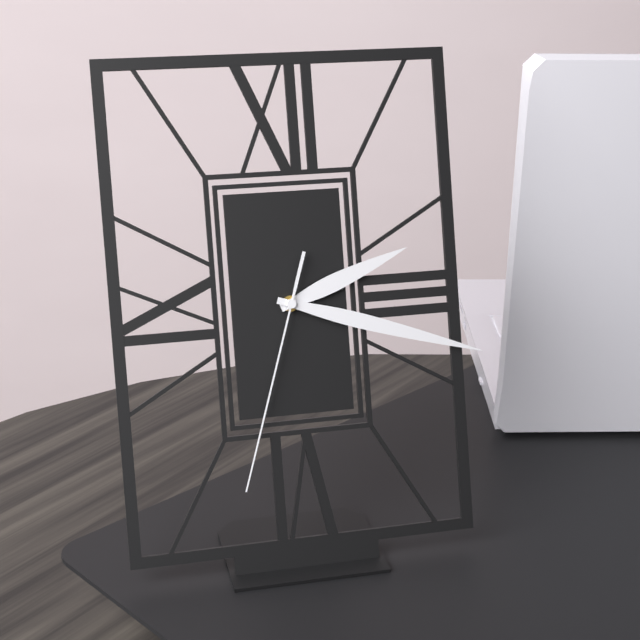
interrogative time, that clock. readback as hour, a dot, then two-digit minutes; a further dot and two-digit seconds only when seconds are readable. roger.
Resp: 2.18.33
